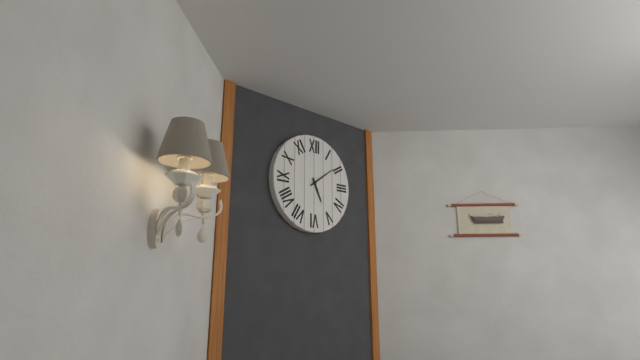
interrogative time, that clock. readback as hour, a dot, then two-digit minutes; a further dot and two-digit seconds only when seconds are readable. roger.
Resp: 5.09
